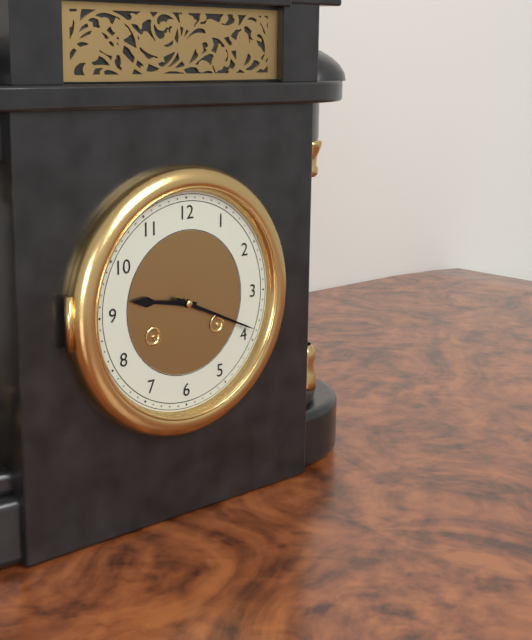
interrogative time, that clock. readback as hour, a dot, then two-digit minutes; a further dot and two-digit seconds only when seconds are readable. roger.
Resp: 9.19
